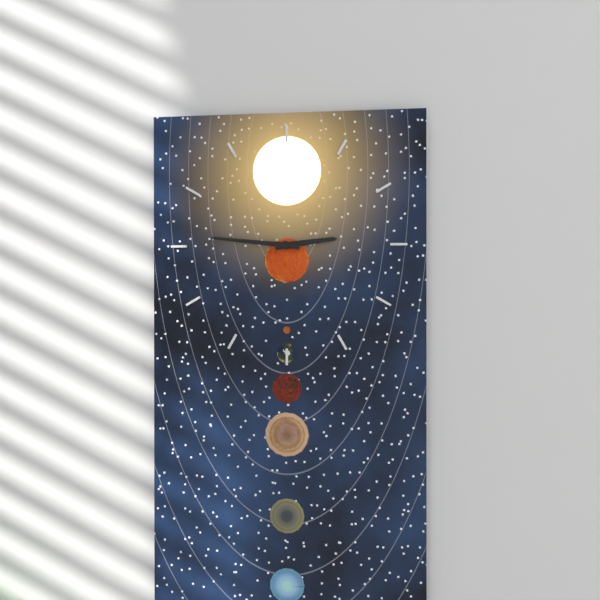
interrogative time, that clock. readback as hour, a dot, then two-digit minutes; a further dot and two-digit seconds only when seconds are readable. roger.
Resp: 2.46
